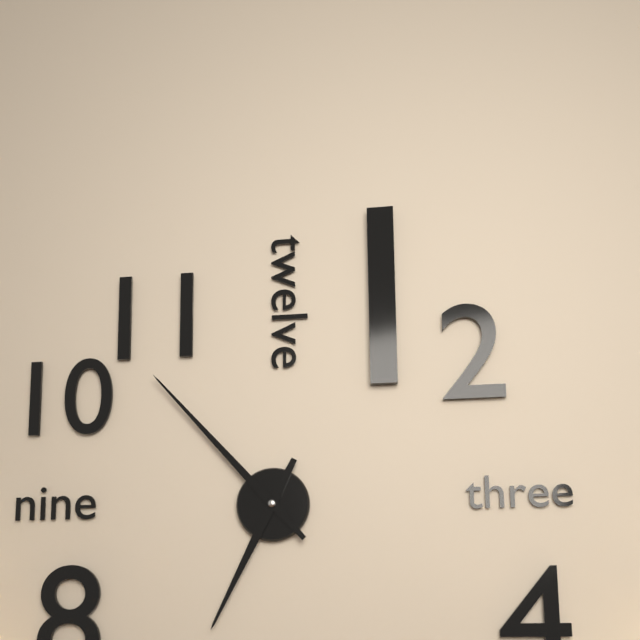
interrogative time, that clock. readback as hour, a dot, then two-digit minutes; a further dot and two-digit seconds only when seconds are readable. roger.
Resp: 6.53
